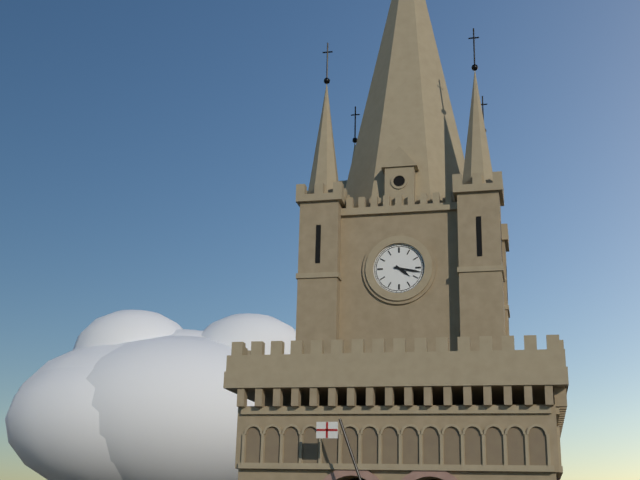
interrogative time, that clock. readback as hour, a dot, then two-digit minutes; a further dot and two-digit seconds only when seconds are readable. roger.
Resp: 4.17
